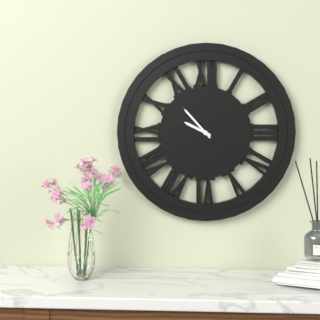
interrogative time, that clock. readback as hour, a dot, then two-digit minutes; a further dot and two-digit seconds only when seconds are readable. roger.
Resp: 9.53
